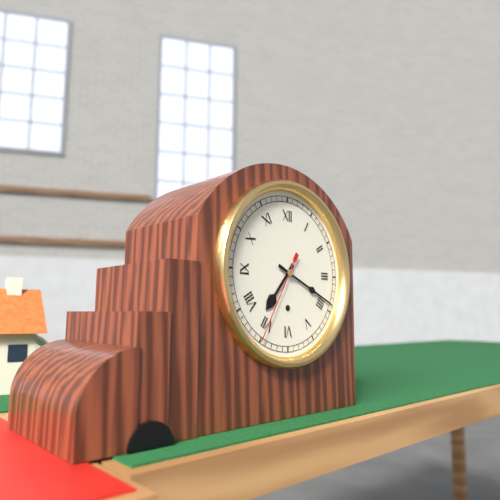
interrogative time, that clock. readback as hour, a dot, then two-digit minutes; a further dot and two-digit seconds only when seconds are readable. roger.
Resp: 7.19.35
